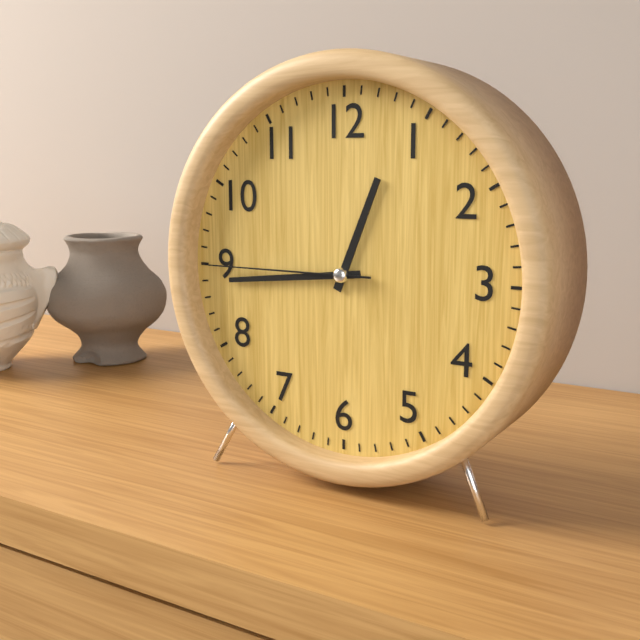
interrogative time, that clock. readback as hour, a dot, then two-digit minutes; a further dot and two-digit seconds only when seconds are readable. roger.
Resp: 12.44.45
